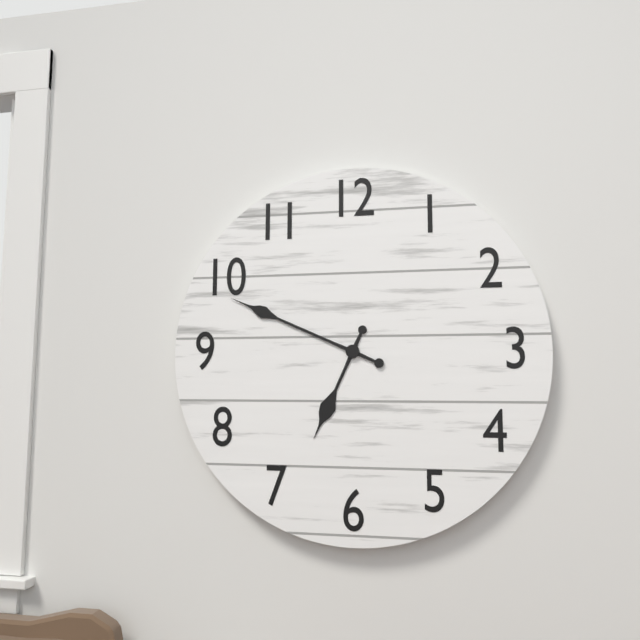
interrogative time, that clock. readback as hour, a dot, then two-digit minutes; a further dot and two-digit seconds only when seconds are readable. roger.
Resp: 6.49
